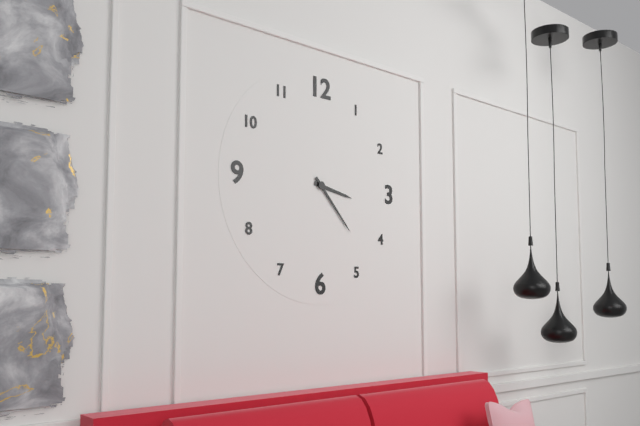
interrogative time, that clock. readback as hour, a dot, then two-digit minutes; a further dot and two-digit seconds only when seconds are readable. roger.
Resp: 3.23
